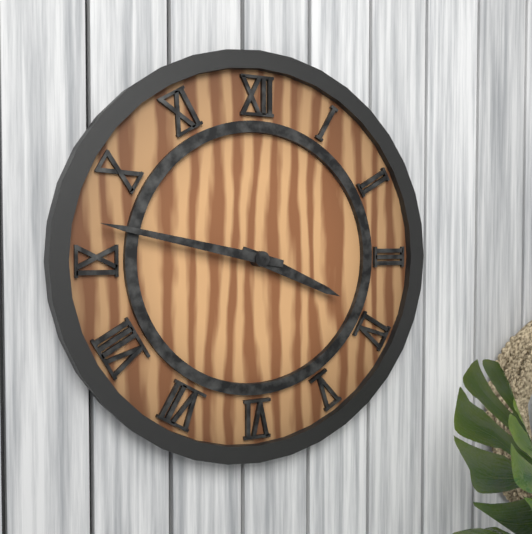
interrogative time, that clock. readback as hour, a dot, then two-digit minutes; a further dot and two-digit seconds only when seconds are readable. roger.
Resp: 3.47
